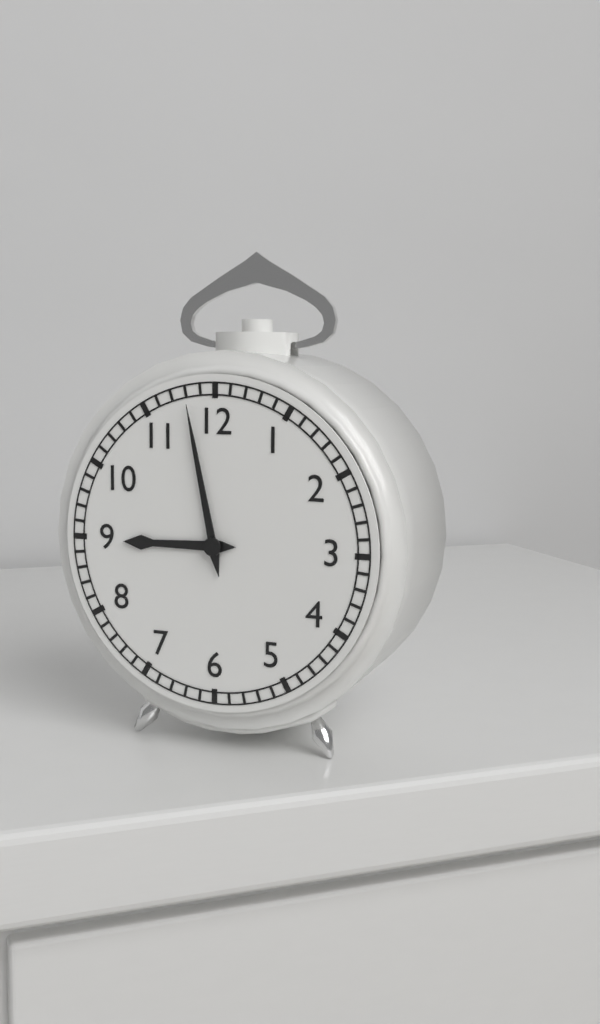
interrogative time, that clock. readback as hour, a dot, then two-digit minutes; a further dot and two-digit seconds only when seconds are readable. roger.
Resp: 8.58
